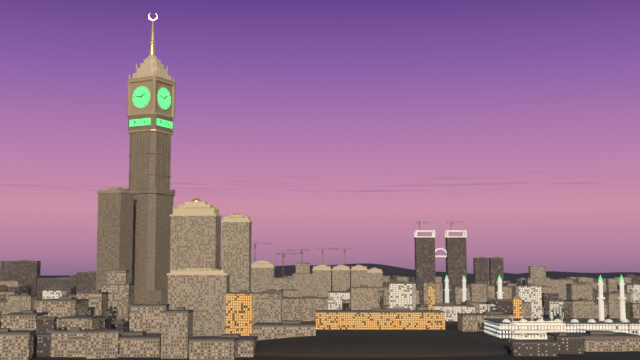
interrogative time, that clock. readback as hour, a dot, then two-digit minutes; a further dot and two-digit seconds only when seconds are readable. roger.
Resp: 1.47
